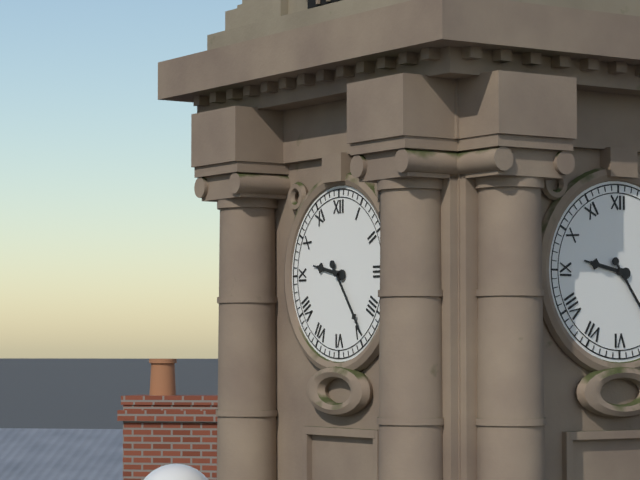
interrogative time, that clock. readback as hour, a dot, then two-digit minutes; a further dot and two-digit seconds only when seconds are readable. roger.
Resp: 9.24
